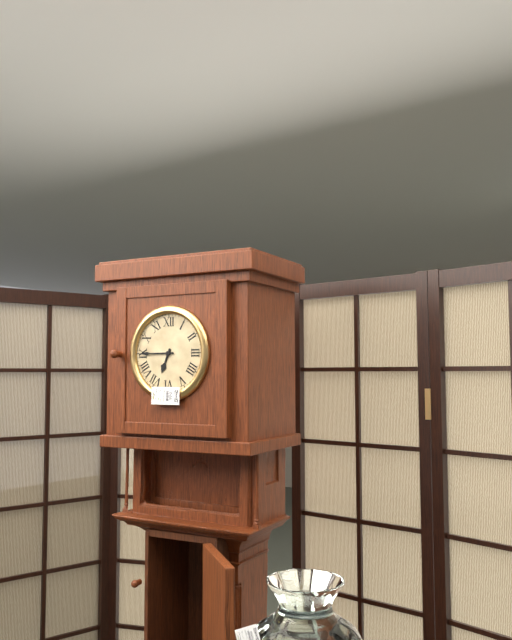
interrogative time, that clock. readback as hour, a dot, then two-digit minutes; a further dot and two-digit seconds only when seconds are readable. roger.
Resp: 6.45
